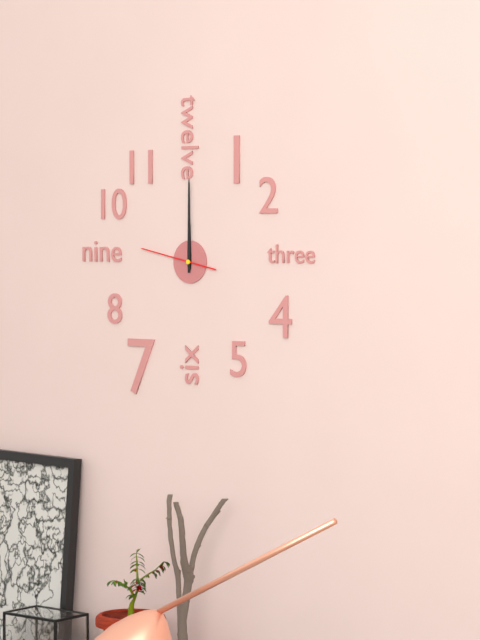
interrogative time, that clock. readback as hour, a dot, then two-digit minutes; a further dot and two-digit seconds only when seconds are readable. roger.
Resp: 12.00.47
